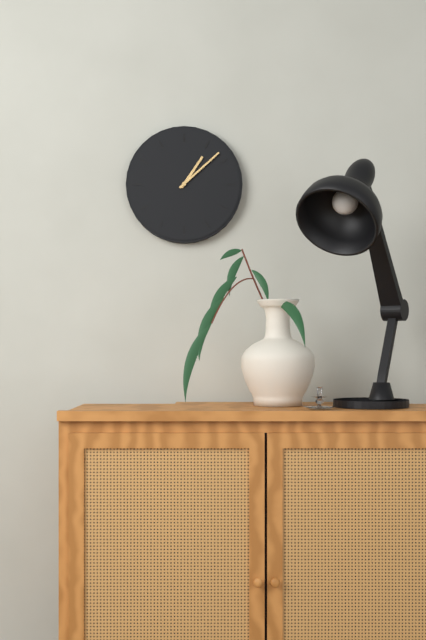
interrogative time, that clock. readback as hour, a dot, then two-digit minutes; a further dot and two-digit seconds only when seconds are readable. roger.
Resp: 1.08
